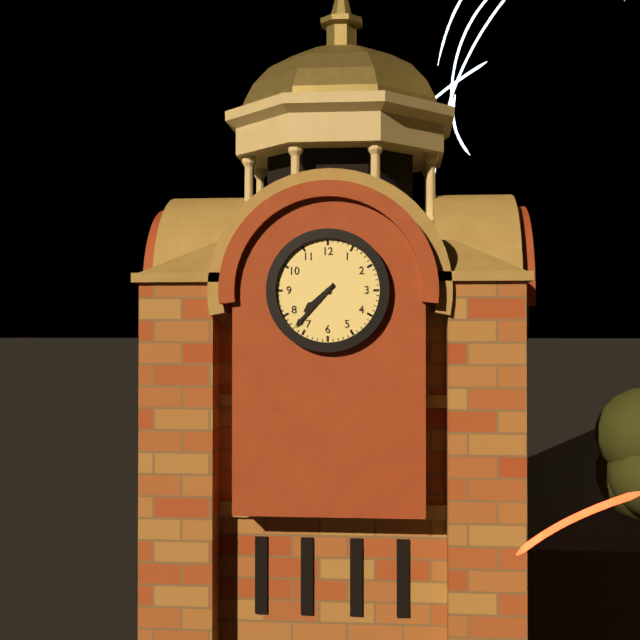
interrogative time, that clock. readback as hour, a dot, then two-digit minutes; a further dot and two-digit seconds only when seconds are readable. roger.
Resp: 7.37
